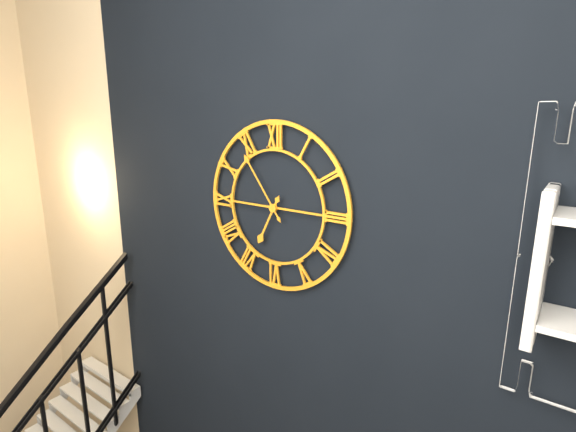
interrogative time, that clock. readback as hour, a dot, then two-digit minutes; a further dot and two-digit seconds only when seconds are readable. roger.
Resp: 6.54
